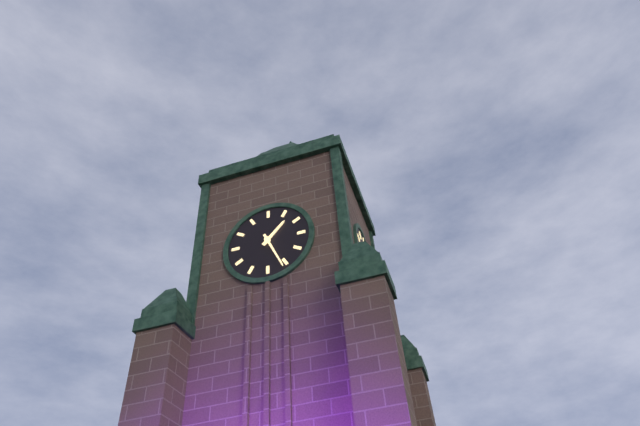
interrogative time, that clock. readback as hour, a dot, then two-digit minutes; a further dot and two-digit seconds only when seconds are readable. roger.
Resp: 1.26
